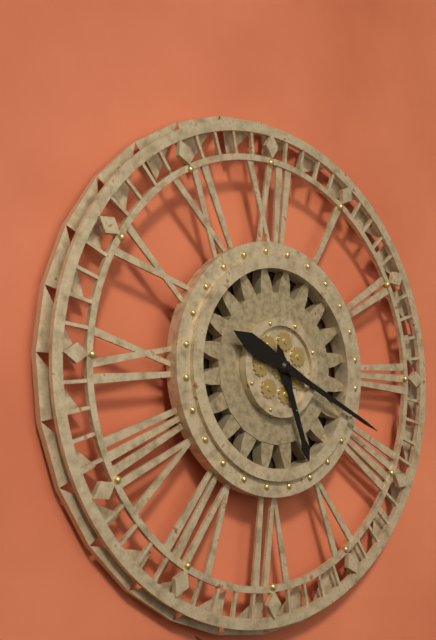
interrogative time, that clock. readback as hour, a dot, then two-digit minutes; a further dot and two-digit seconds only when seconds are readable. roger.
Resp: 5.19
